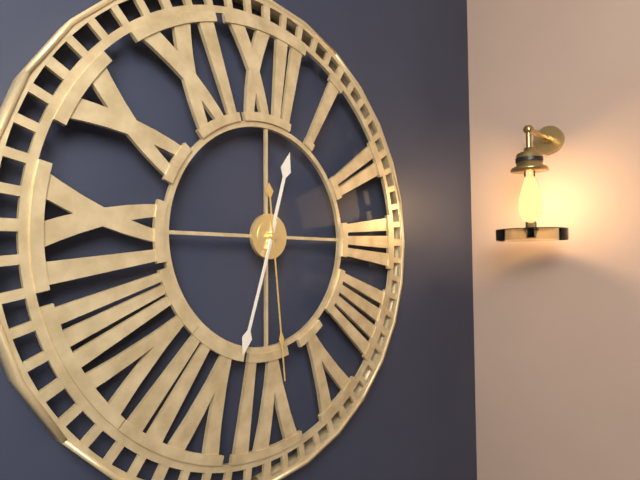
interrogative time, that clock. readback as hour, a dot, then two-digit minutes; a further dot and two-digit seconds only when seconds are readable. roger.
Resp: 12.33.29
